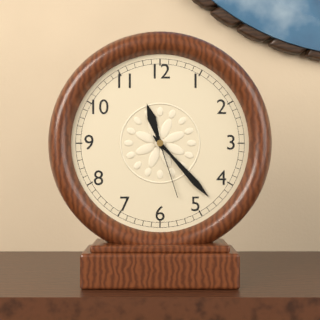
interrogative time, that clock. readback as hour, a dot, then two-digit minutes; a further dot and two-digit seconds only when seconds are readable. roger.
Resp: 11.23.27
